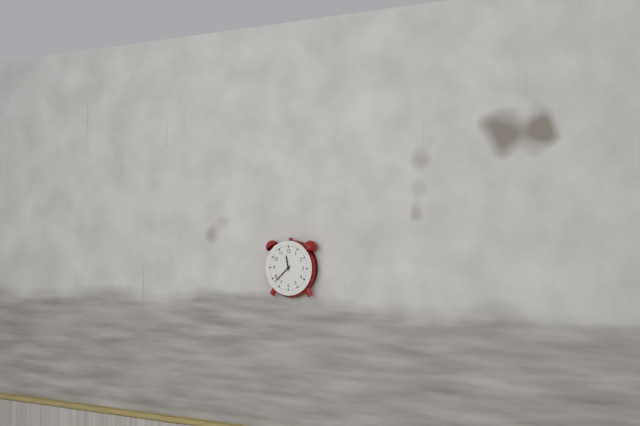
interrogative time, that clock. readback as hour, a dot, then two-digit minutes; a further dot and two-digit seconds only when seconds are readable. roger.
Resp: 11.38
